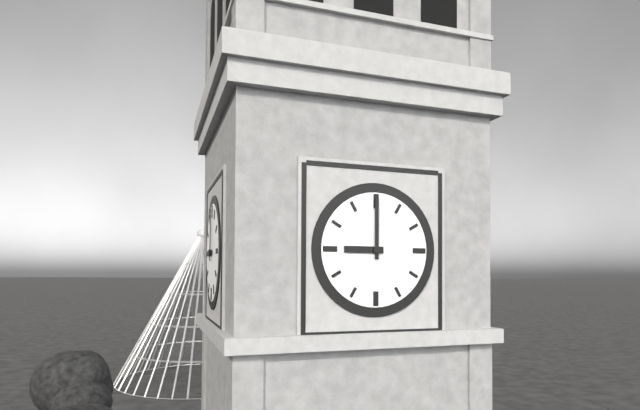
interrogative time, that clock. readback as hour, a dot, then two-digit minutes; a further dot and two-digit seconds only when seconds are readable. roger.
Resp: 9.00
